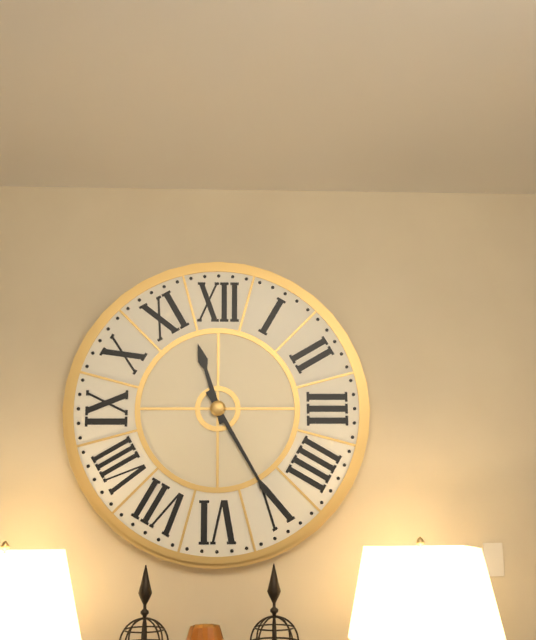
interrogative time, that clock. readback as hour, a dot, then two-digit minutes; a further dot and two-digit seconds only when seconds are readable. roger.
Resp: 11.25
